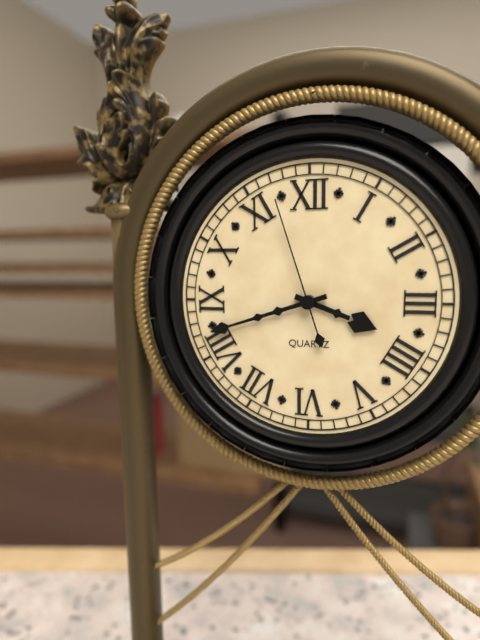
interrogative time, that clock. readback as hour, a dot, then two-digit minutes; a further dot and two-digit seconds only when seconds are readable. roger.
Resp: 3.42.57
